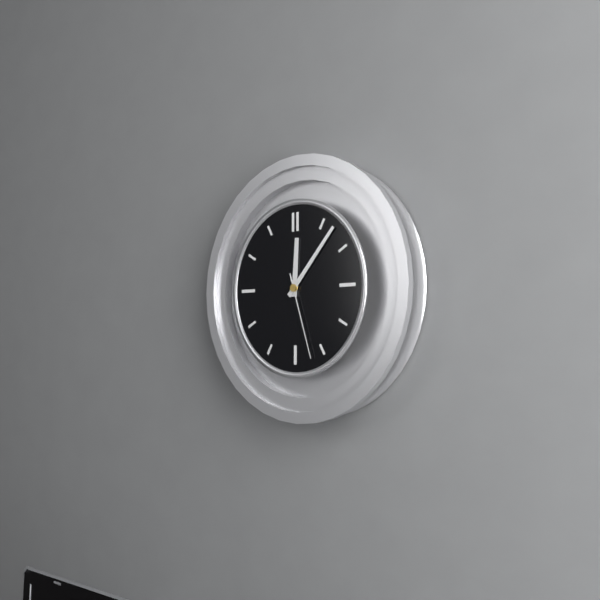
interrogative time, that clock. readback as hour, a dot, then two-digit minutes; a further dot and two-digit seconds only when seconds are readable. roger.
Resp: 12.07.27
